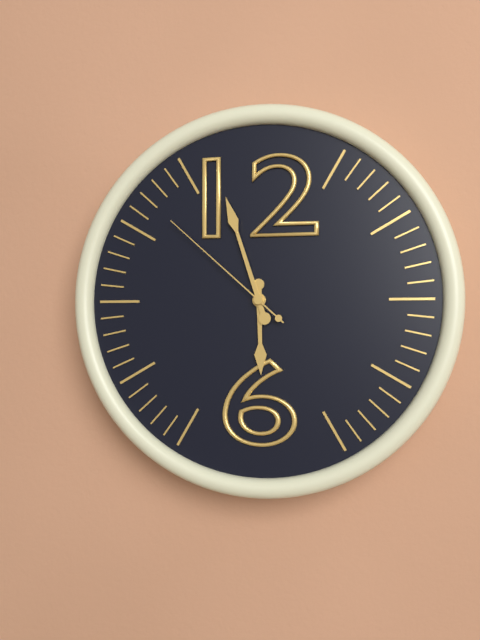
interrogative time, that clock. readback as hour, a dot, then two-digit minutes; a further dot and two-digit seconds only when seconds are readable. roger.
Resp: 5.57.52
